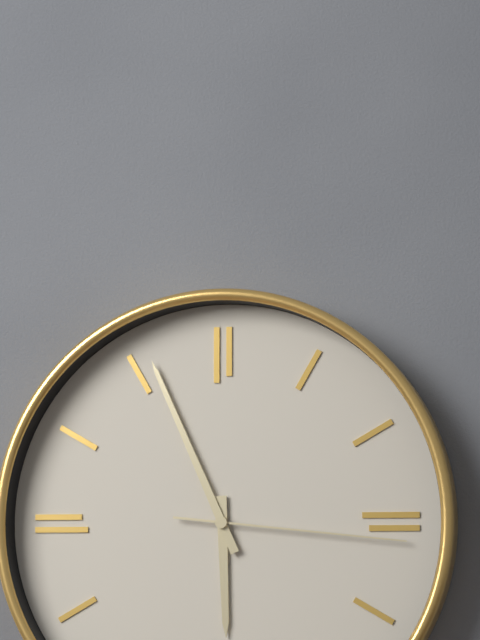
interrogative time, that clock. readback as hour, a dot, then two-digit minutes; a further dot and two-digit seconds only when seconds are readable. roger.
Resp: 5.56.16
